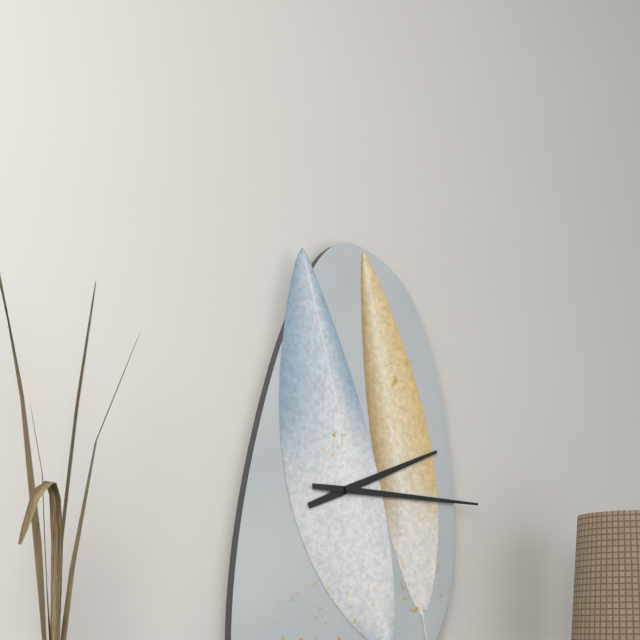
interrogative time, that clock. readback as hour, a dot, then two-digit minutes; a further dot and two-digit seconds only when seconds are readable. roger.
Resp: 2.15
